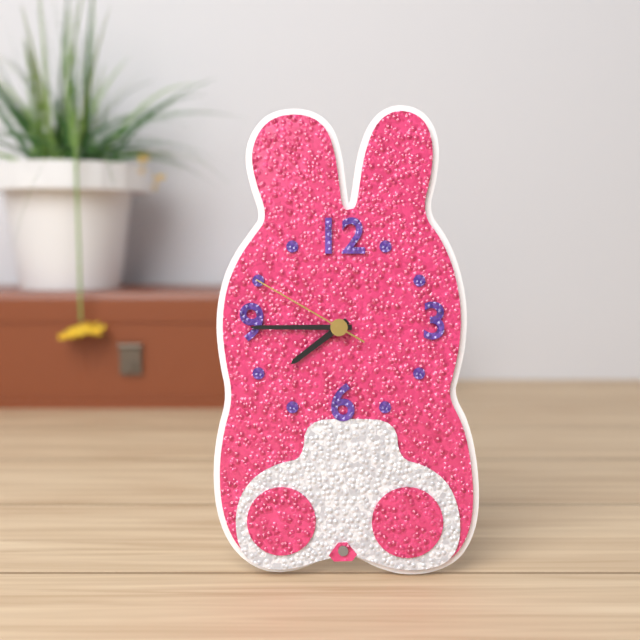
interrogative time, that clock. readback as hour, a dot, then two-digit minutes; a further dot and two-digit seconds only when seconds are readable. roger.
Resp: 7.45.50
